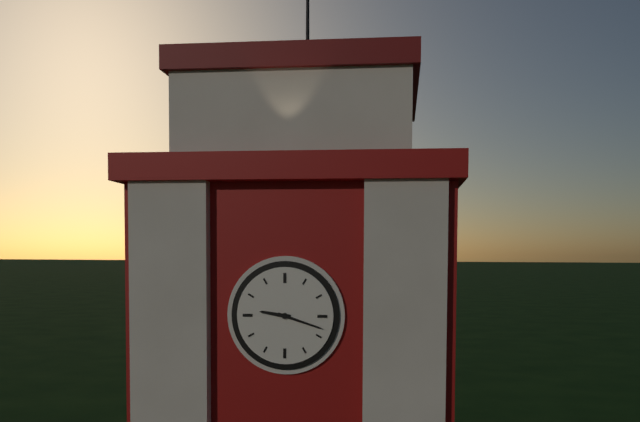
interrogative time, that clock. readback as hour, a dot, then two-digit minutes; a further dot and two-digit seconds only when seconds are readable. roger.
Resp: 9.18
